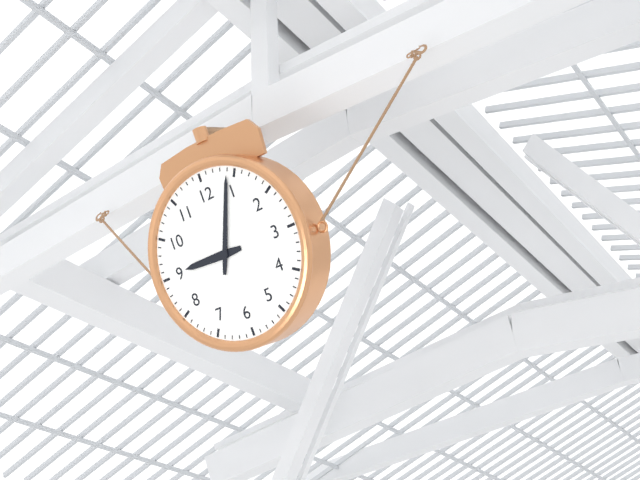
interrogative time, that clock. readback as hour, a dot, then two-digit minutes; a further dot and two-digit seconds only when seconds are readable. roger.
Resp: 9.04
